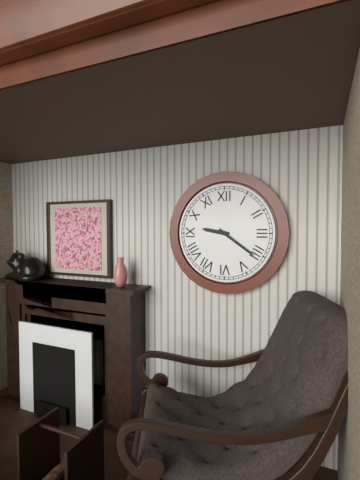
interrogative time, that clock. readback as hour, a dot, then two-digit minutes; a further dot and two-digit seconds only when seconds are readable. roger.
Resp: 9.21
